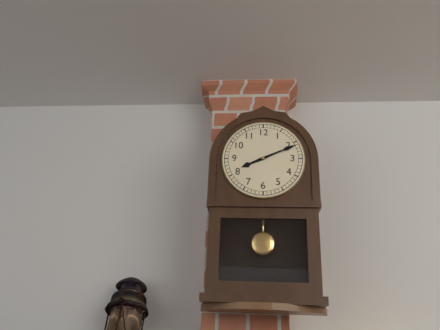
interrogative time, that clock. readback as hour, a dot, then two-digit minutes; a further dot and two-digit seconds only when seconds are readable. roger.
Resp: 8.11
